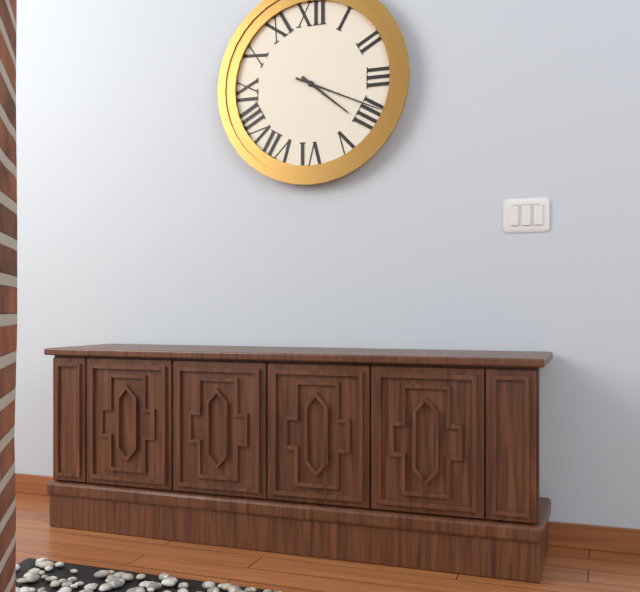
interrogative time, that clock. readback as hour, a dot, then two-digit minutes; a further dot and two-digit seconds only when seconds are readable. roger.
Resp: 4.19
